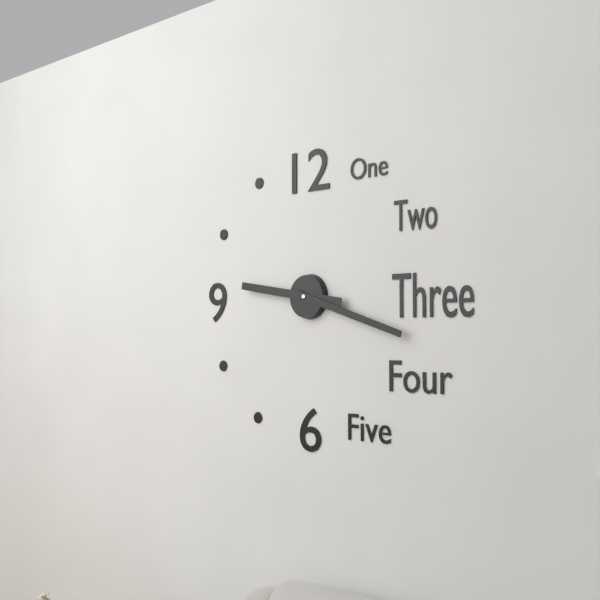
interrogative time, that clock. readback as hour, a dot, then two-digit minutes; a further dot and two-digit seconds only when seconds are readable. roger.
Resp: 9.18
